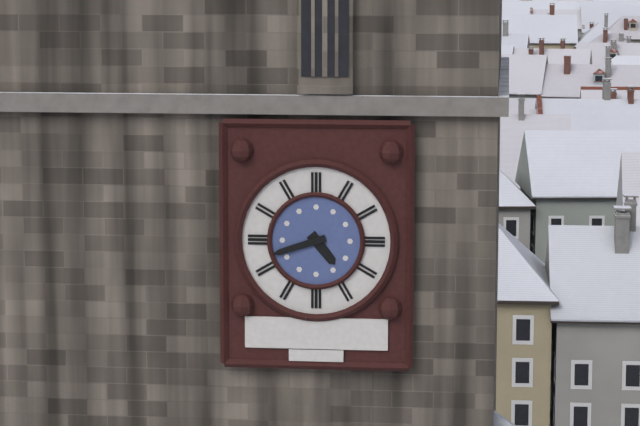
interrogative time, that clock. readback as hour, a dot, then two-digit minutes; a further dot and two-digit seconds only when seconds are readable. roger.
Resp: 4.42
